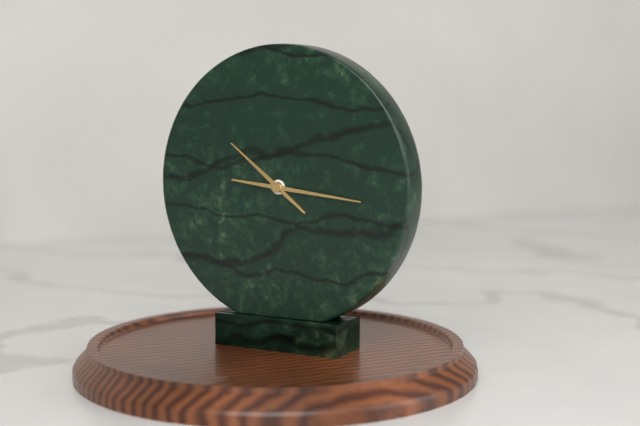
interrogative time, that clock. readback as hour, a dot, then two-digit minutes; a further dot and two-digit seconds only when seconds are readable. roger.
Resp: 10.16
